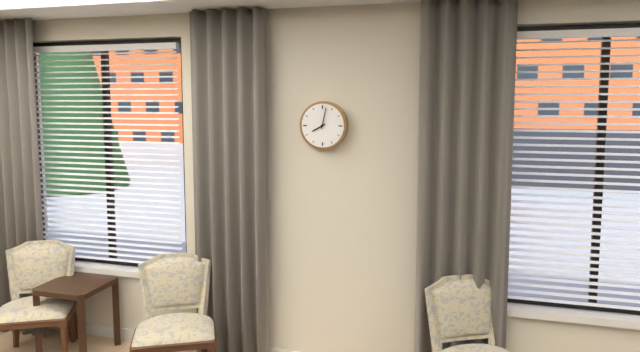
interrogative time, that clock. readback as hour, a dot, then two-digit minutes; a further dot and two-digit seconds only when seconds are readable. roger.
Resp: 8.02
